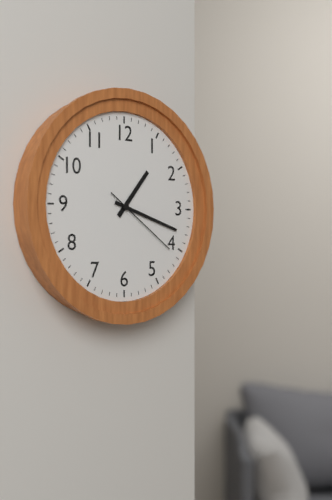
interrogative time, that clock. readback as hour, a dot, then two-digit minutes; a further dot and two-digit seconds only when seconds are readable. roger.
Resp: 1.18.21
